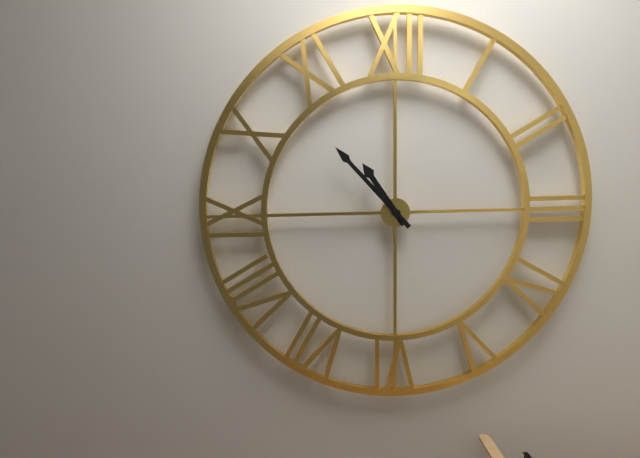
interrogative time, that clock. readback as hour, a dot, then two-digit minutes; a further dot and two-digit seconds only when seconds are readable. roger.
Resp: 10.53
